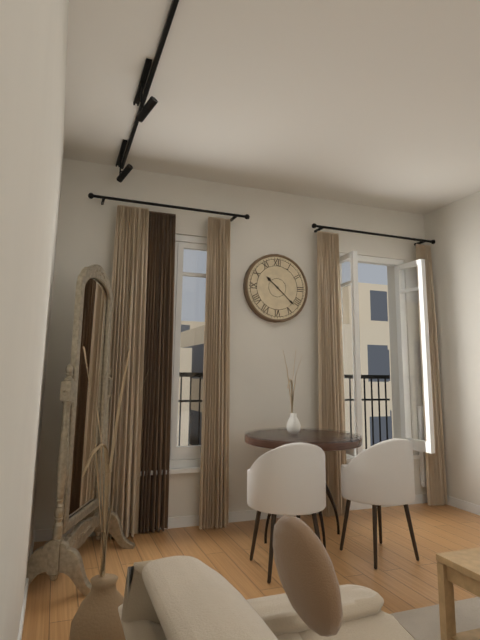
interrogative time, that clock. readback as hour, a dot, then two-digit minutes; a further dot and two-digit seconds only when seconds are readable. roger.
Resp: 10.22
